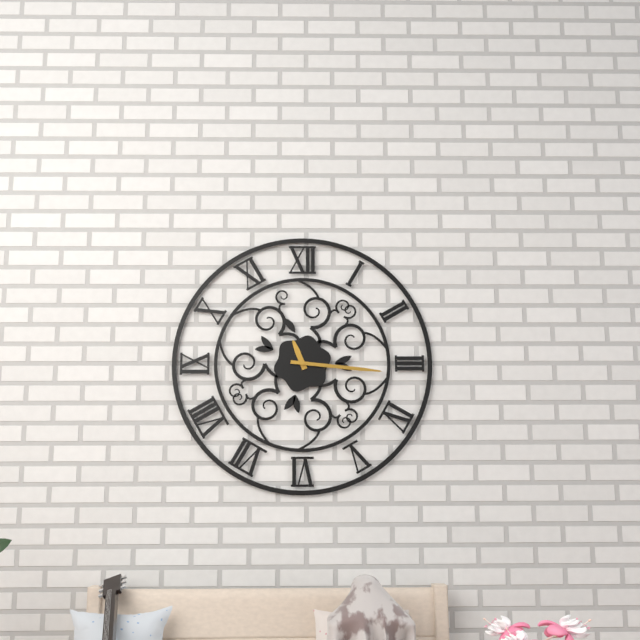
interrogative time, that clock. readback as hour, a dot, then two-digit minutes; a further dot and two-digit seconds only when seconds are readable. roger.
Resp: 11.16
